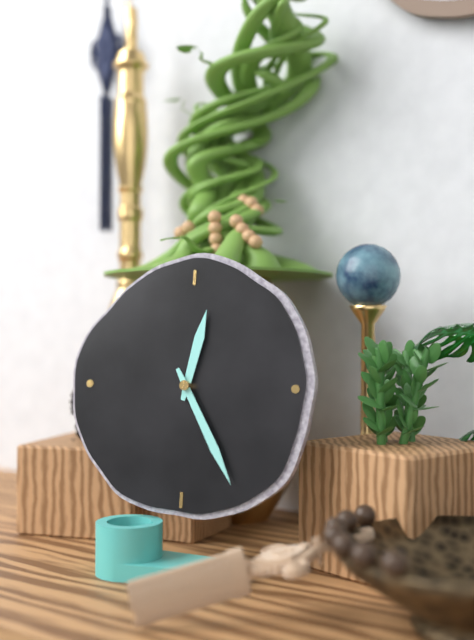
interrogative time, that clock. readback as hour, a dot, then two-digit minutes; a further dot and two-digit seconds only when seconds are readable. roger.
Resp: 12.25
